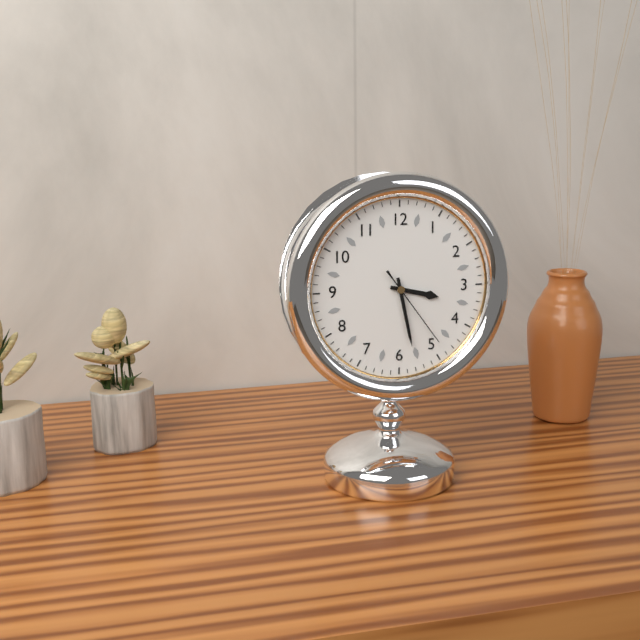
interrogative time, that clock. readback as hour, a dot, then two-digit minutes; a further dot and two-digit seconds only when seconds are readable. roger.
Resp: 3.28.24
